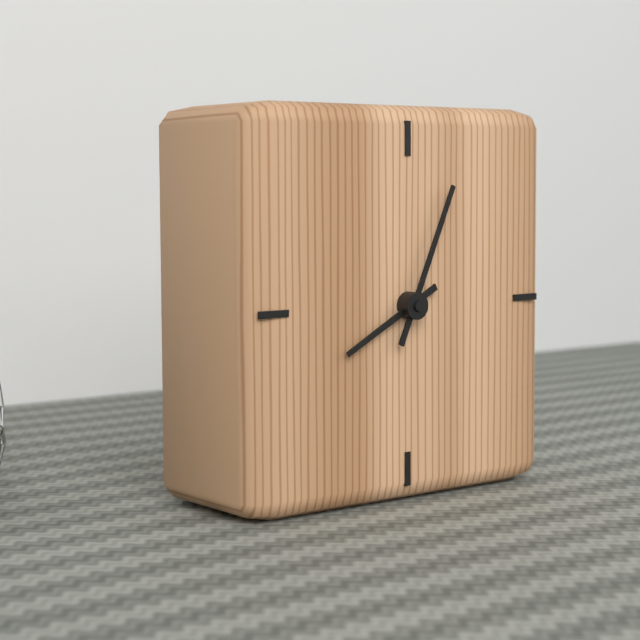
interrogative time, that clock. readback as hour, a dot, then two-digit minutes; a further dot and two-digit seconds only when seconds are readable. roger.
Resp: 8.04
